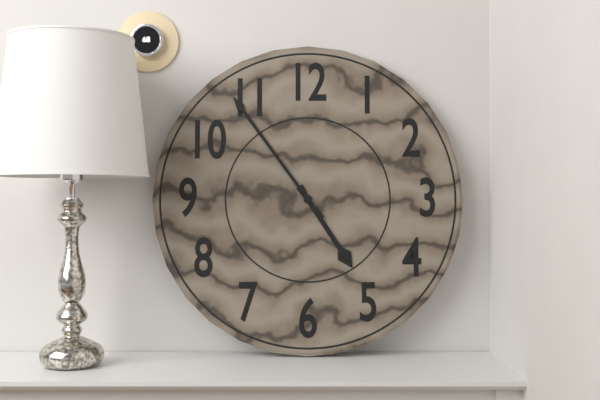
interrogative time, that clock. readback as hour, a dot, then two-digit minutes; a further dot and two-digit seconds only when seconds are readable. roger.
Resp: 4.54
